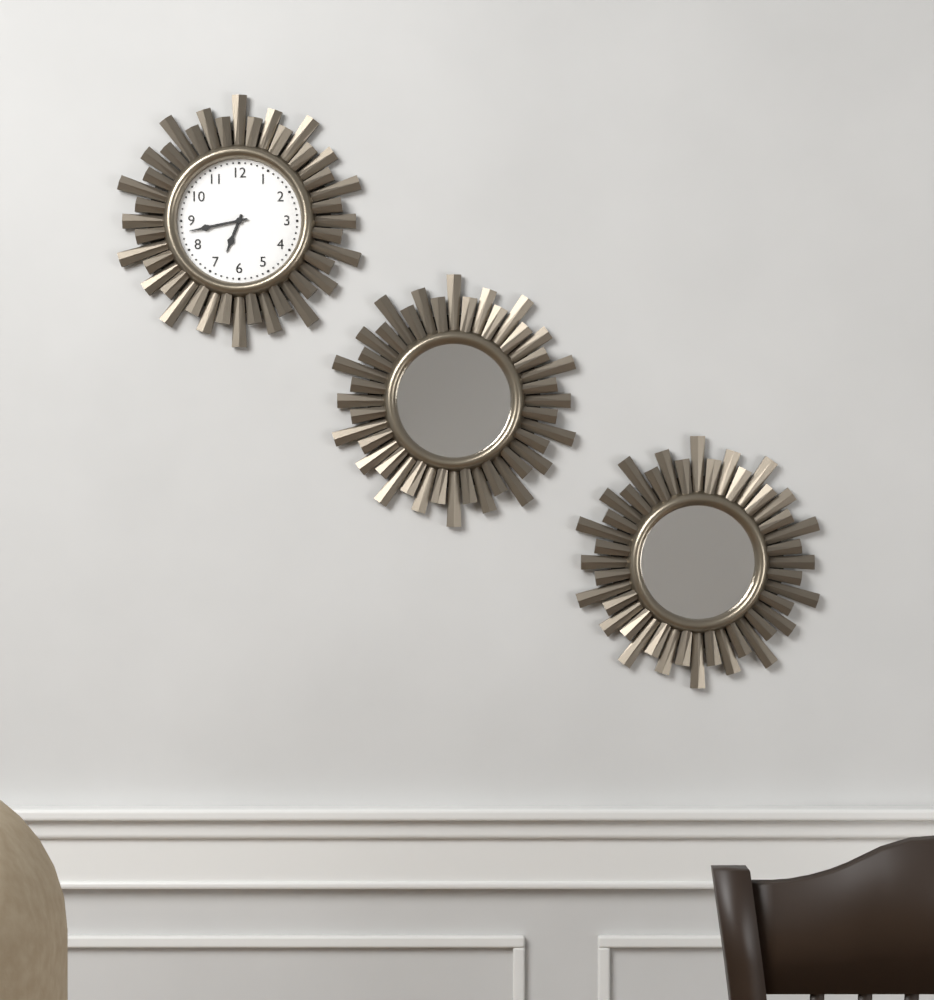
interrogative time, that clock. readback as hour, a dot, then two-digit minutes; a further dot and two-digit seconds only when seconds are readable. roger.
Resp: 6.43
